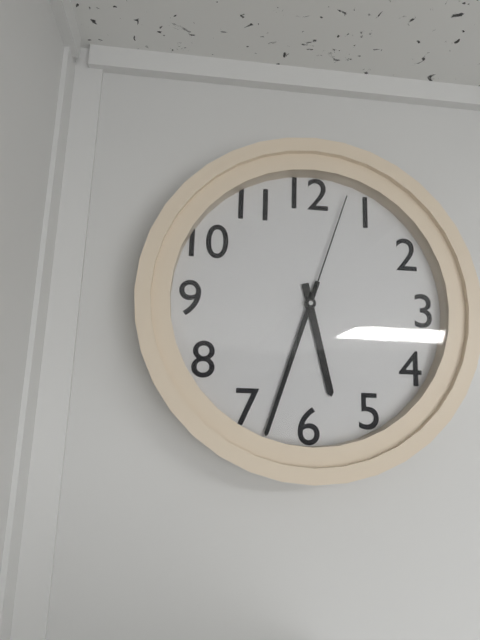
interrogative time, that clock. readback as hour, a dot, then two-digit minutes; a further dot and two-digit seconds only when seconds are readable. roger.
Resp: 5.33.03
